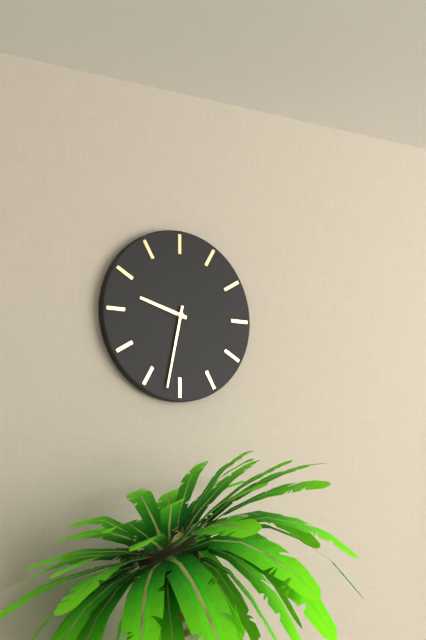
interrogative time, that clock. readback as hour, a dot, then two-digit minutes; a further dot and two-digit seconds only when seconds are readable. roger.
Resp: 9.32
